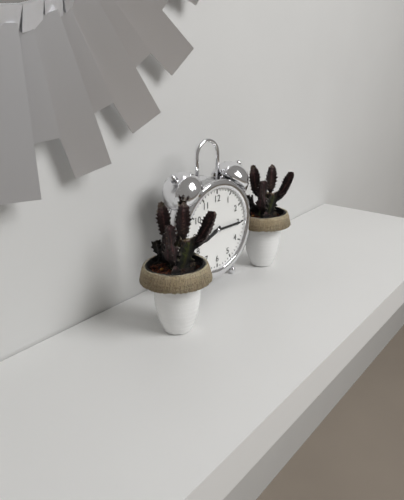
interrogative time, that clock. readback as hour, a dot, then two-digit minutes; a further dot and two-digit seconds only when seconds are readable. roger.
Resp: 8.15
